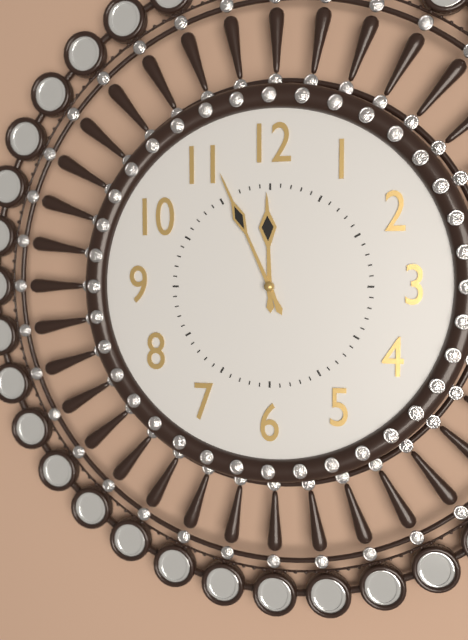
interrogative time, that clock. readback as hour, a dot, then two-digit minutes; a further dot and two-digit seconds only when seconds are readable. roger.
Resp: 11.56
